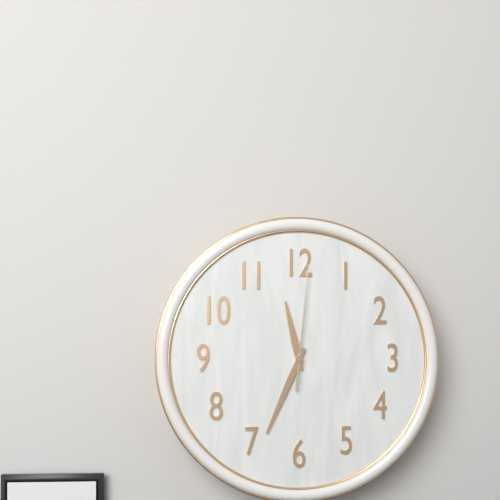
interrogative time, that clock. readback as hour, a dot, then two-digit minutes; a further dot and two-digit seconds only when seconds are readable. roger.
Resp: 11.34.01
